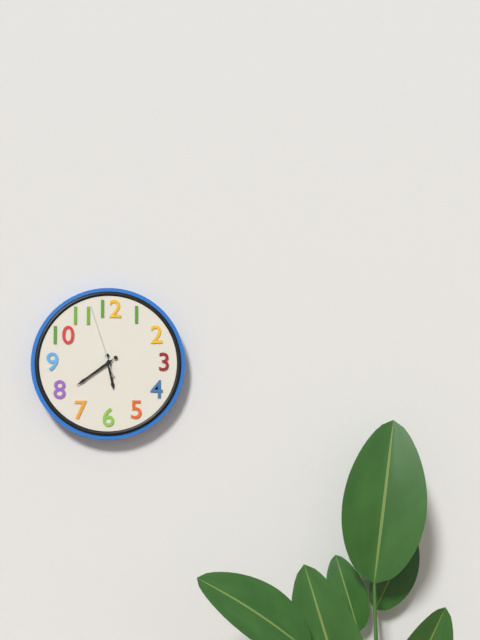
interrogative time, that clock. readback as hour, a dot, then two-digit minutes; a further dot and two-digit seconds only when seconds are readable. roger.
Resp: 5.39.57
